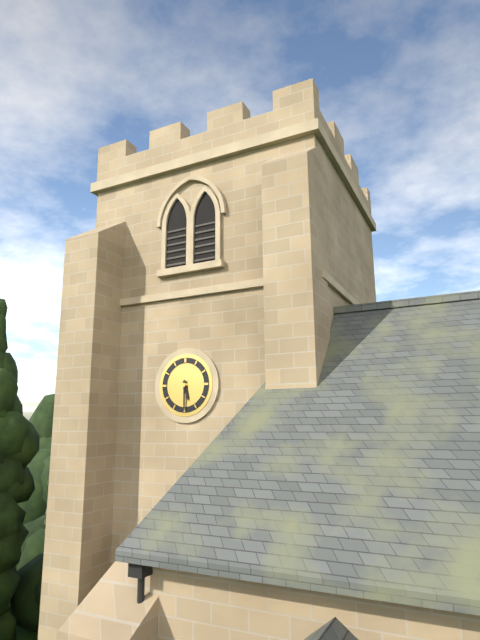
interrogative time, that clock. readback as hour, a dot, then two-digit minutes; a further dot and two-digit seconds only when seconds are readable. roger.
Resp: 5.30
